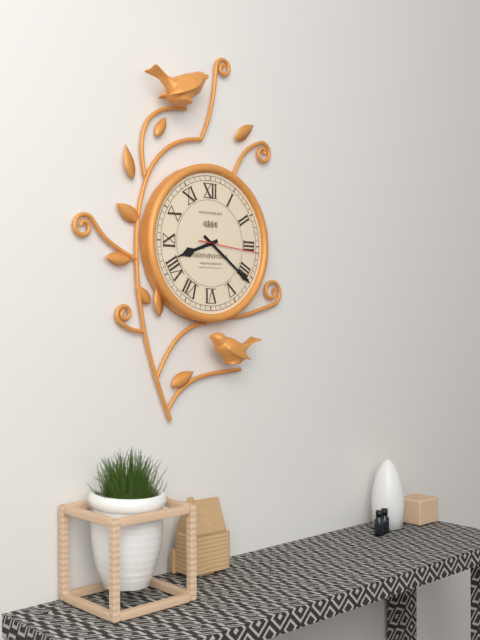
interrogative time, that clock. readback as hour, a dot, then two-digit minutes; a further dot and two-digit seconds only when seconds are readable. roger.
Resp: 8.21.16
